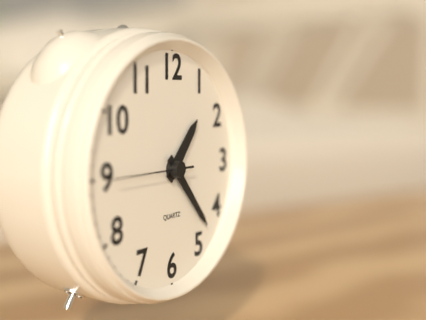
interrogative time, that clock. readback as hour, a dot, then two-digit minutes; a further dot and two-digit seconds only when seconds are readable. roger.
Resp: 1.23.45
